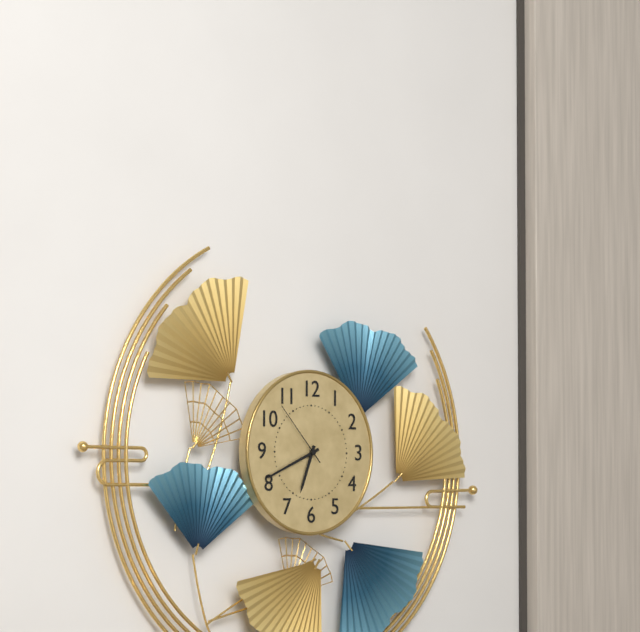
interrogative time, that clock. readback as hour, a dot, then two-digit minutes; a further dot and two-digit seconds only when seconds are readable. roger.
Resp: 6.41.53
